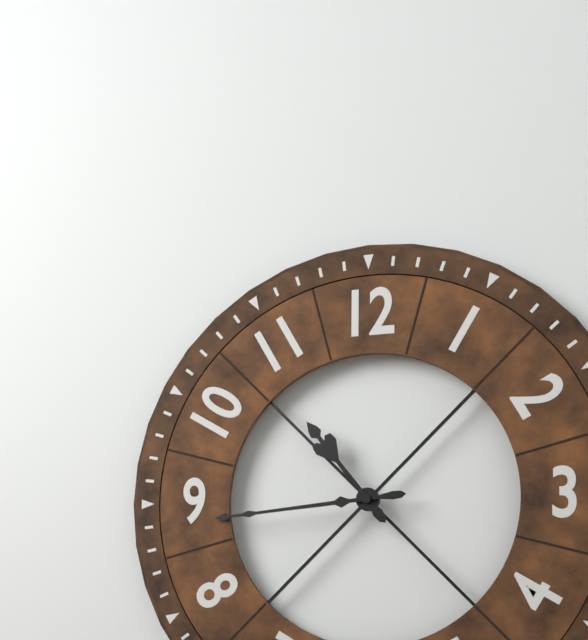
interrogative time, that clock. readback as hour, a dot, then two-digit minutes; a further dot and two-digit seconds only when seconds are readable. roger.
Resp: 10.44
